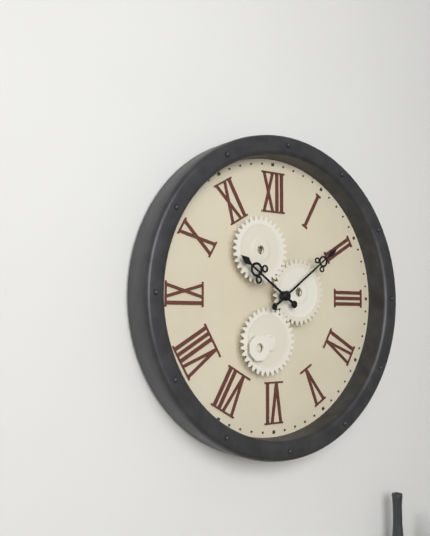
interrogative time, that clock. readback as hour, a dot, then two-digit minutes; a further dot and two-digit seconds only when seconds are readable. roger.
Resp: 10.09
